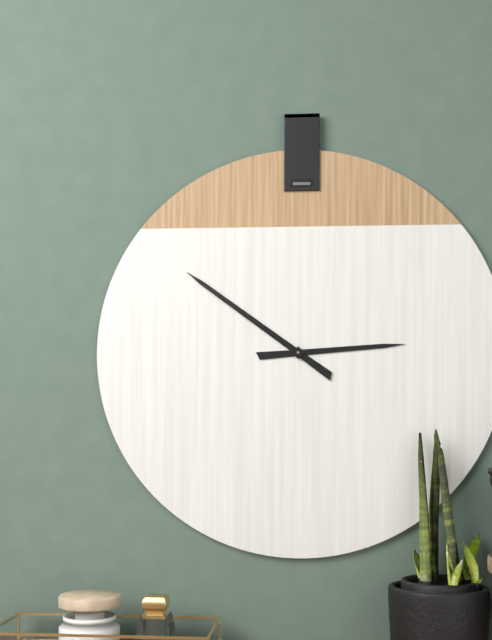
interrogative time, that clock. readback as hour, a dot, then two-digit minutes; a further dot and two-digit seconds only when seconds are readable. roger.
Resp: 2.51
